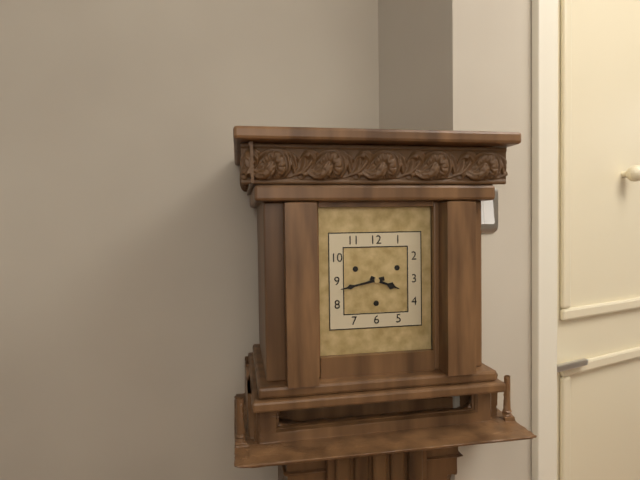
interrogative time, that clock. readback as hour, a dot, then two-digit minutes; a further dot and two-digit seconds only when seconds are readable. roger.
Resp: 3.43
